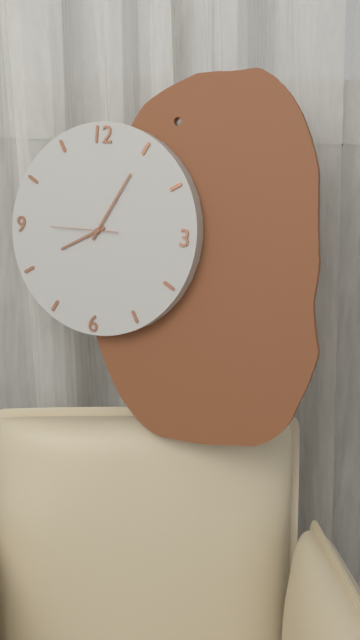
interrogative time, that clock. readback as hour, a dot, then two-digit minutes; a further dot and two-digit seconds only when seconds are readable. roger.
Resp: 8.05.45
